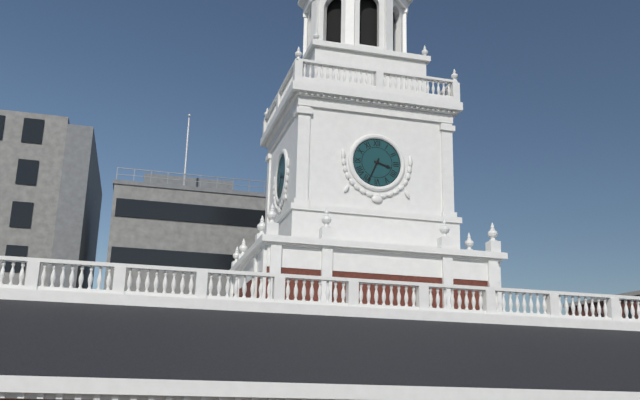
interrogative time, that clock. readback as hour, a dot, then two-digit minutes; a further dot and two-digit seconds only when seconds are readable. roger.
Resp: 3.34
